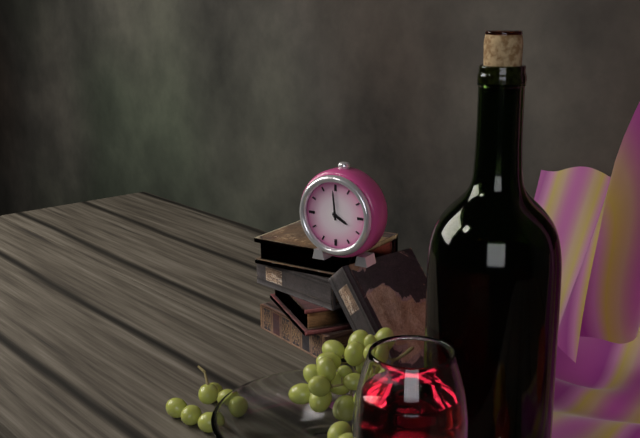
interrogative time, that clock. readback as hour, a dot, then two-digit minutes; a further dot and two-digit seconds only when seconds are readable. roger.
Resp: 3.59
